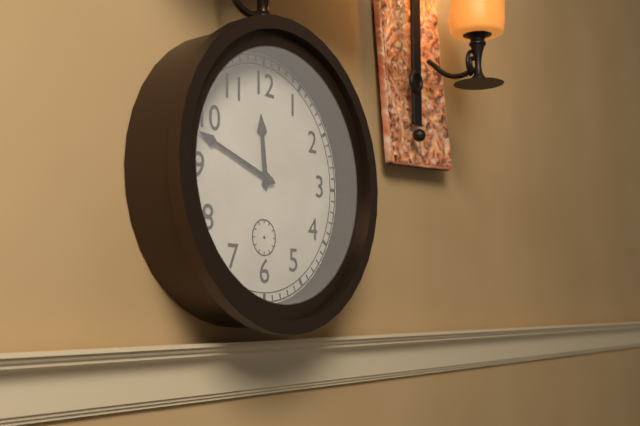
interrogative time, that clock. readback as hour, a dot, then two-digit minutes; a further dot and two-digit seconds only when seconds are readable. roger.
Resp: 11.48
